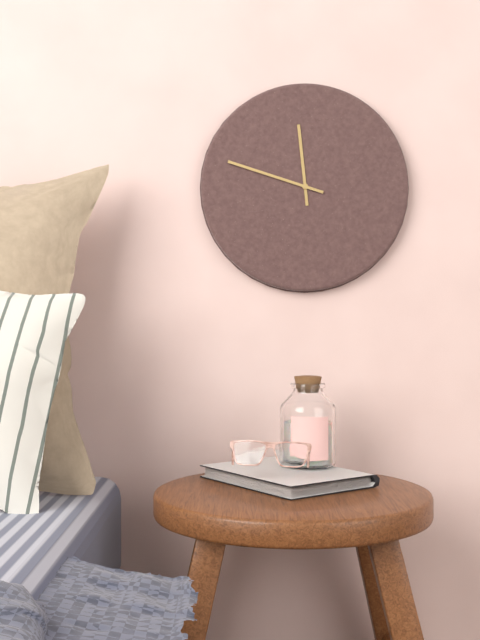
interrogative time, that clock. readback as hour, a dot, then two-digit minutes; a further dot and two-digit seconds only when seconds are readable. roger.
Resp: 11.48
